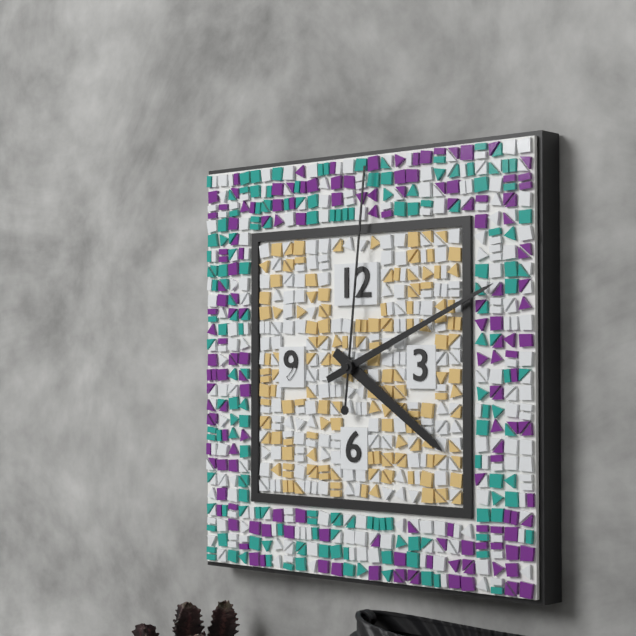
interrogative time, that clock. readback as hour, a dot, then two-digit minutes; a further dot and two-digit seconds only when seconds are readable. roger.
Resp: 4.11.01
